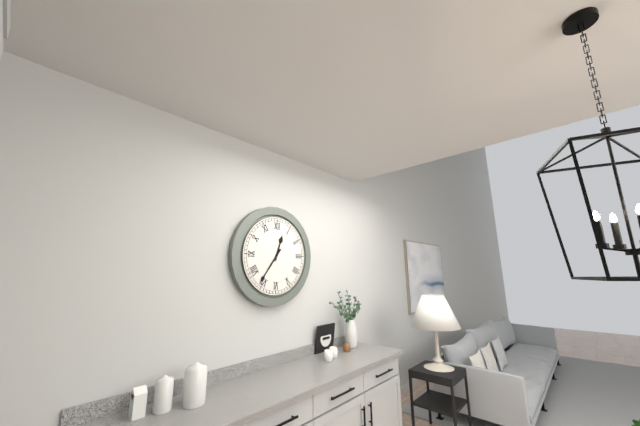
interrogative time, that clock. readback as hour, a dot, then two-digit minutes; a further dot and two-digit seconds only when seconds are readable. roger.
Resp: 12.36
